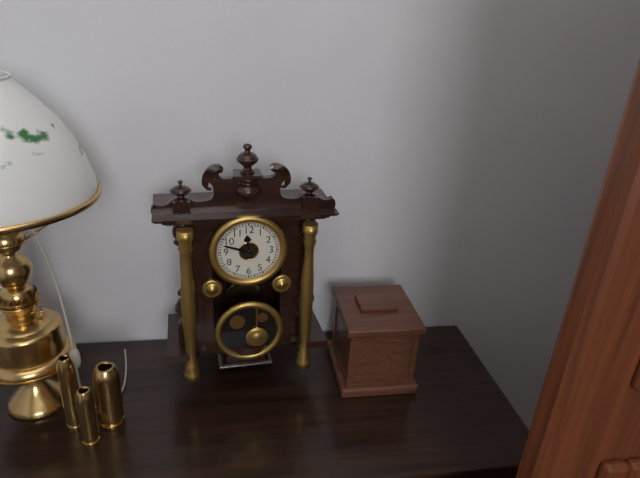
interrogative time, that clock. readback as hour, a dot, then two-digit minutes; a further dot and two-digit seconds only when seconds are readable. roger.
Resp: 11.48
